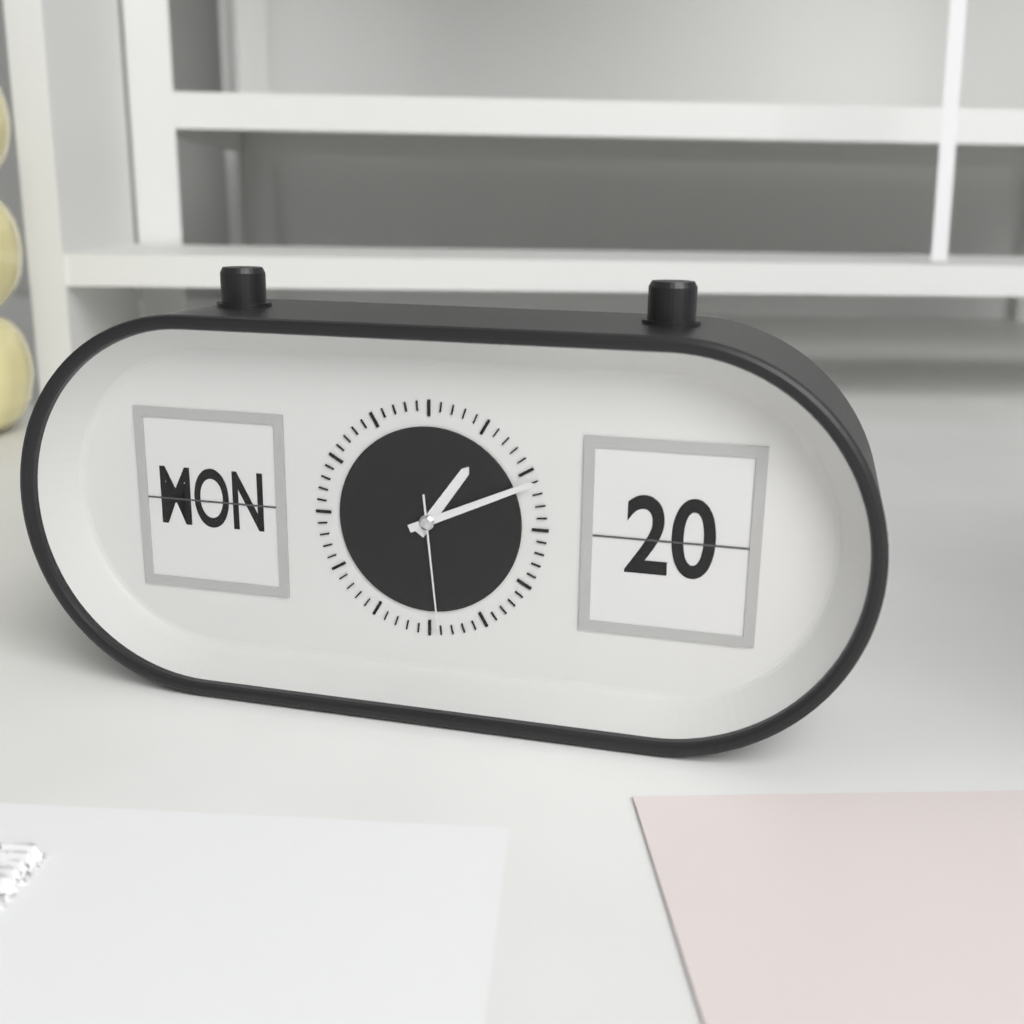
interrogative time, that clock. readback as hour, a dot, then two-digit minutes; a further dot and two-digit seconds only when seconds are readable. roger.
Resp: 1.11.29
